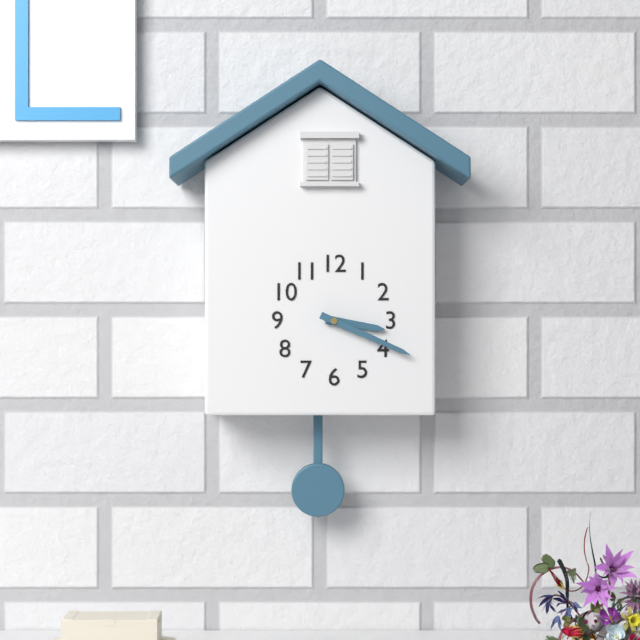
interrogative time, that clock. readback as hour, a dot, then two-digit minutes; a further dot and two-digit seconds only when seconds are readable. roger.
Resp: 3.19
